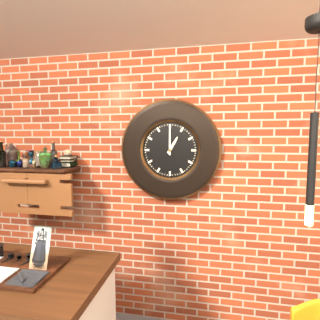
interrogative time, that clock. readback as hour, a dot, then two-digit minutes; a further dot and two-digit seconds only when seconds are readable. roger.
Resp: 1.00
